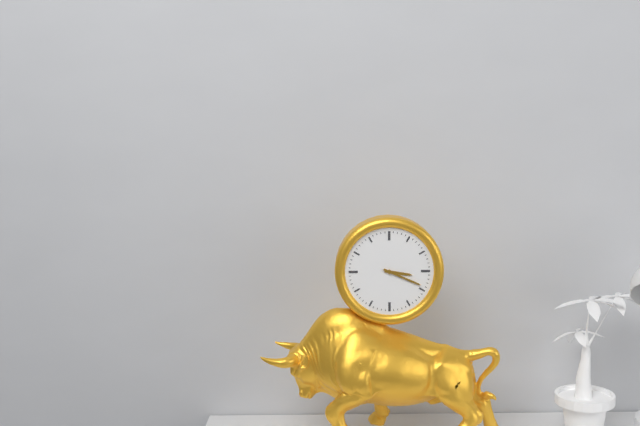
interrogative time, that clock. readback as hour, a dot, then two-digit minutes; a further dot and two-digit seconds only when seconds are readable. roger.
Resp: 3.19
